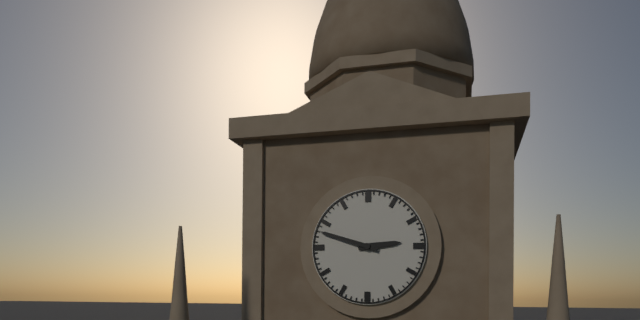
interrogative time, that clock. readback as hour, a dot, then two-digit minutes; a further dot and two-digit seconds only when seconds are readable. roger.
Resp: 2.48
